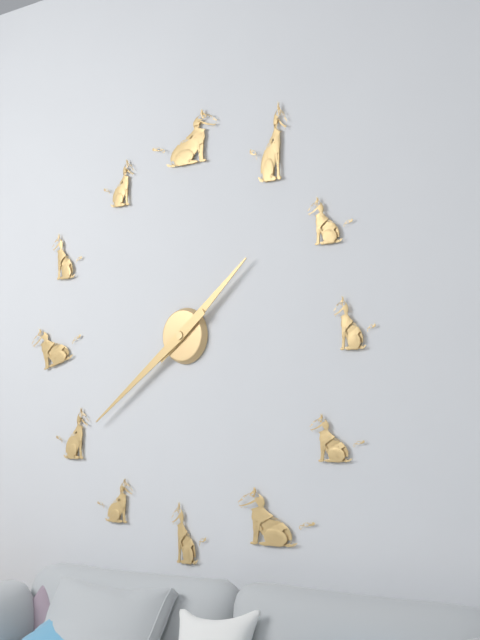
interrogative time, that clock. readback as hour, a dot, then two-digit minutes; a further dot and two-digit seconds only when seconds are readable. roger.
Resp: 1.39
